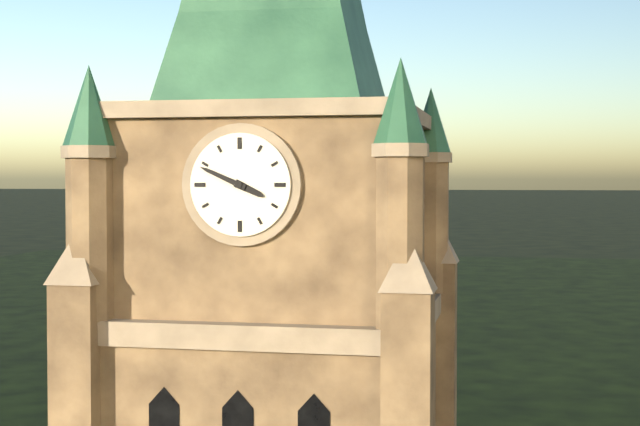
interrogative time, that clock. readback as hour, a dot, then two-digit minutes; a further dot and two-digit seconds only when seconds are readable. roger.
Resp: 3.49
